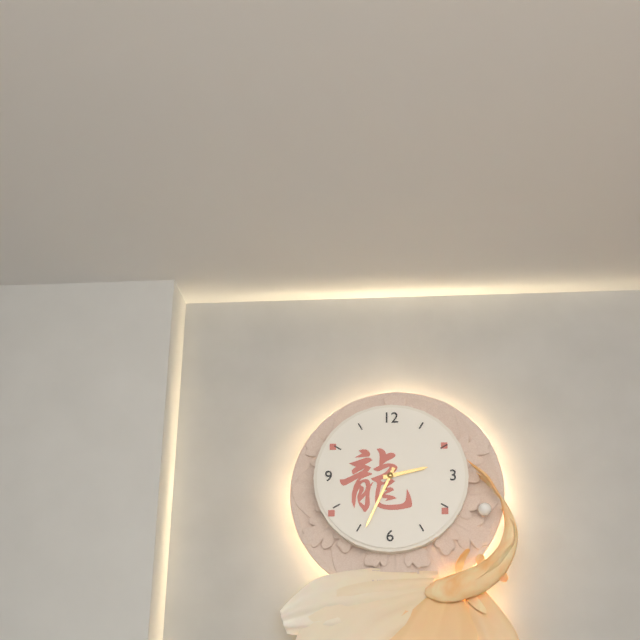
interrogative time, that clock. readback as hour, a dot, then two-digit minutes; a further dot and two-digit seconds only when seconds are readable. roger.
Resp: 2.34
